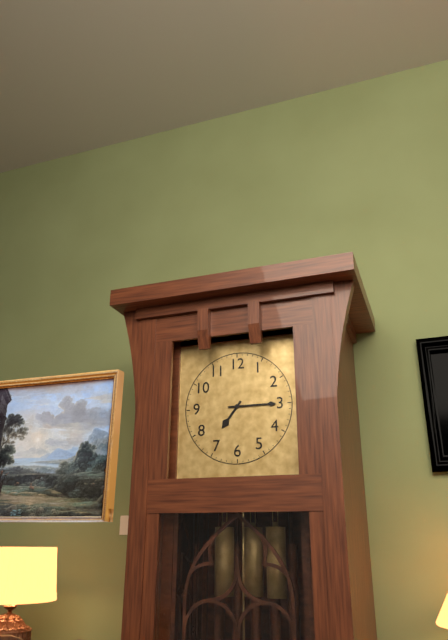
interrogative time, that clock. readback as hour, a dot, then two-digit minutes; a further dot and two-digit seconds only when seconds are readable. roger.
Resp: 7.15
